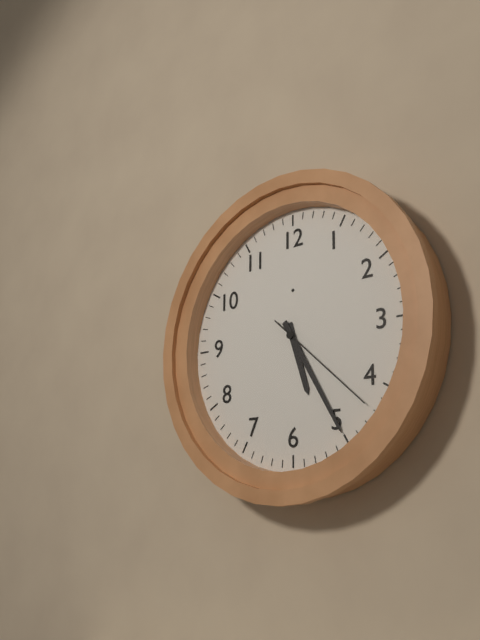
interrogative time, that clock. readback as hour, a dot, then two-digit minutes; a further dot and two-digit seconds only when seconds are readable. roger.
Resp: 5.25.22
